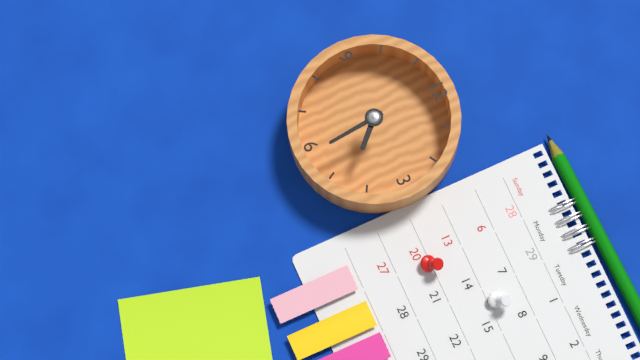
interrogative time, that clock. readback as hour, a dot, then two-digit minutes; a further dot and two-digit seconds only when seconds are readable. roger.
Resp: 4.29
